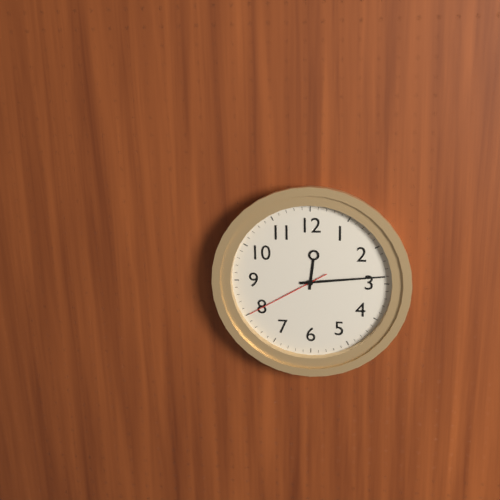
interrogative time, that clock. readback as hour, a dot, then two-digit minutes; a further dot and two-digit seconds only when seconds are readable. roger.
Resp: 12.14.40
